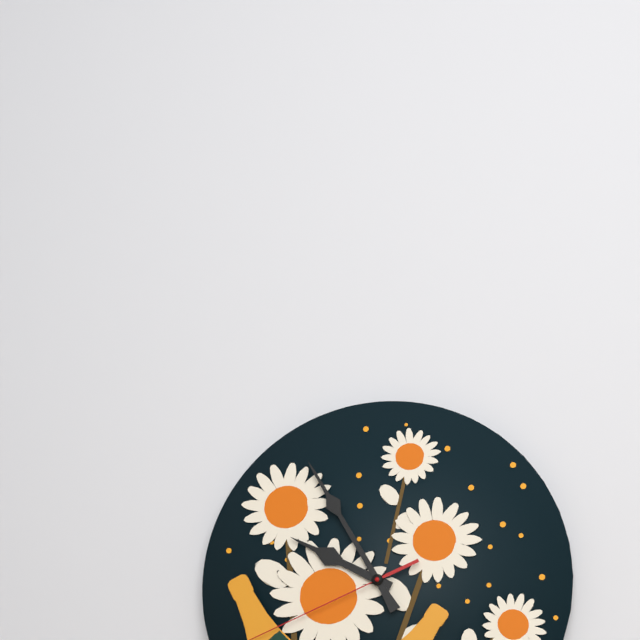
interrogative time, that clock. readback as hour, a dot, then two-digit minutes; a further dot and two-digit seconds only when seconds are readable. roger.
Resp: 9.55
